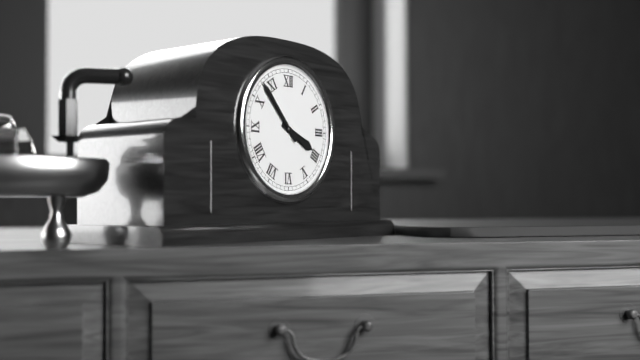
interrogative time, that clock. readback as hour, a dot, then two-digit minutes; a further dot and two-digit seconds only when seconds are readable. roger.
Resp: 3.53
